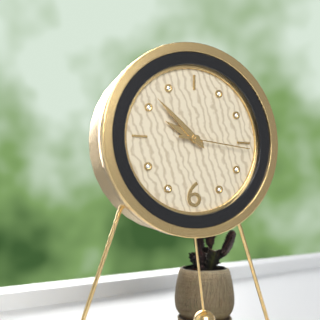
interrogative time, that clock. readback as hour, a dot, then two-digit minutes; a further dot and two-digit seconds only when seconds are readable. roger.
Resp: 9.52.16
